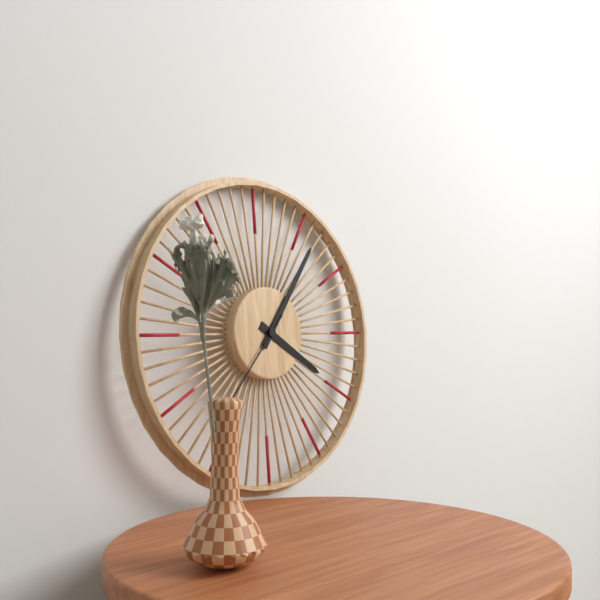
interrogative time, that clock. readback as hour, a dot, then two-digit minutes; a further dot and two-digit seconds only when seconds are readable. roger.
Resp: 4.06.37
